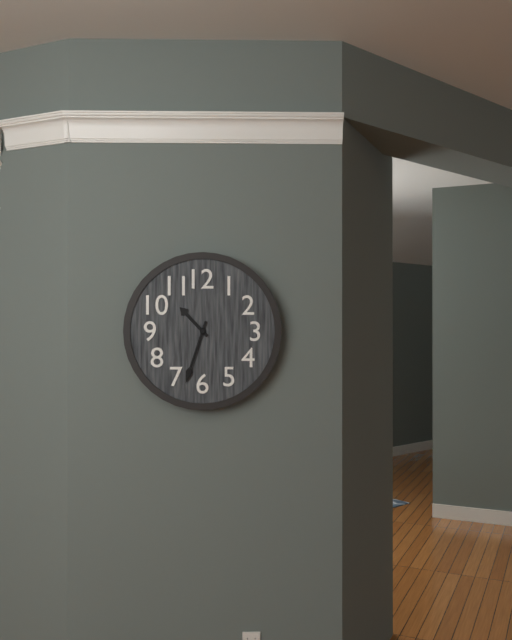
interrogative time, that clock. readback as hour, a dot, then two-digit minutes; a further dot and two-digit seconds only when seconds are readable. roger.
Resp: 10.33
